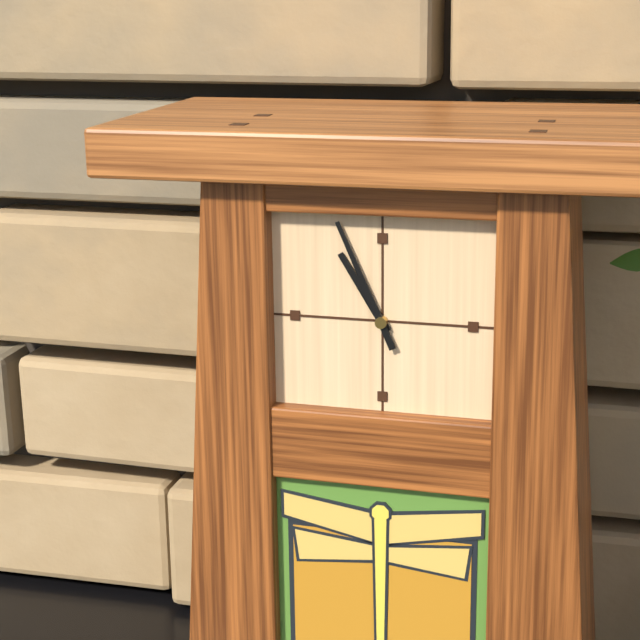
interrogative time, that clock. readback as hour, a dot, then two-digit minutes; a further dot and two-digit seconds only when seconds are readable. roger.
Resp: 10.56
